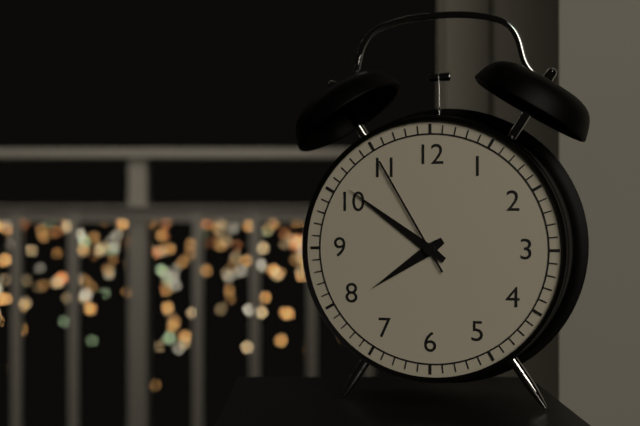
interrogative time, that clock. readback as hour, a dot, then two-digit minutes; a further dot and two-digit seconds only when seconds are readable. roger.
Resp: 7.51.55
